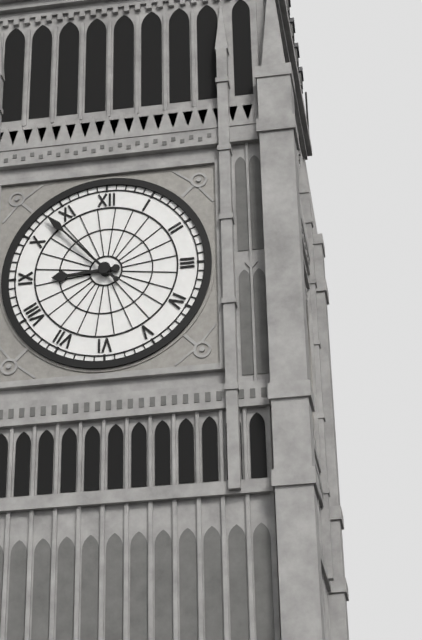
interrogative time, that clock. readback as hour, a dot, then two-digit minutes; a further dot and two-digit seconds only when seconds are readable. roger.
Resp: 8.53
